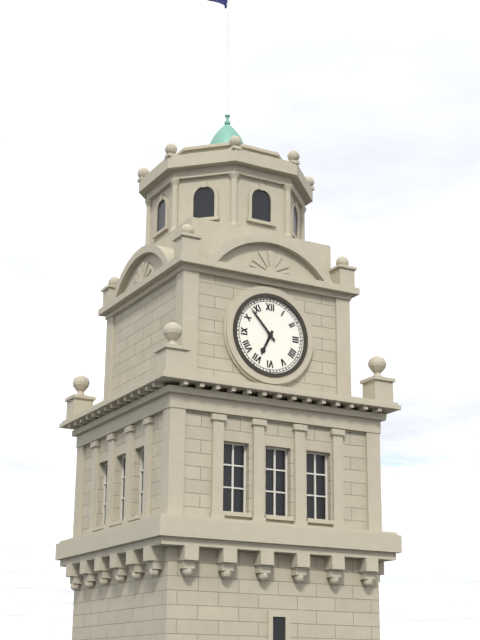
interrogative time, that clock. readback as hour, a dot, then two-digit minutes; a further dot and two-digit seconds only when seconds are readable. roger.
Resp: 6.53
